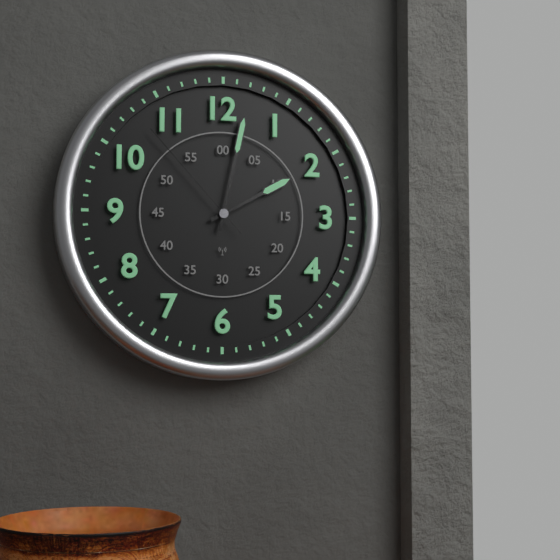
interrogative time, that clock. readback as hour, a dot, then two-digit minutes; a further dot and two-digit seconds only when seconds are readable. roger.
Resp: 2.02.53
